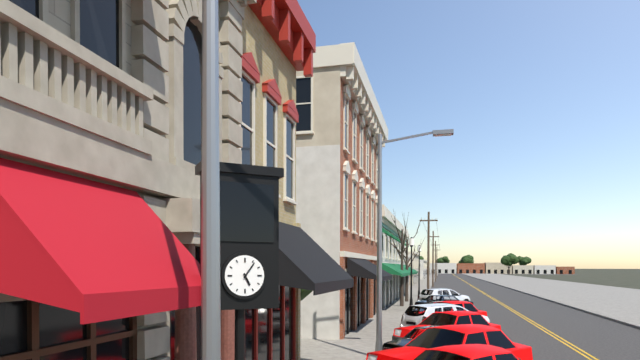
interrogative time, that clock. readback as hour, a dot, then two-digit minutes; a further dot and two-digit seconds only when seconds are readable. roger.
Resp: 5.06
